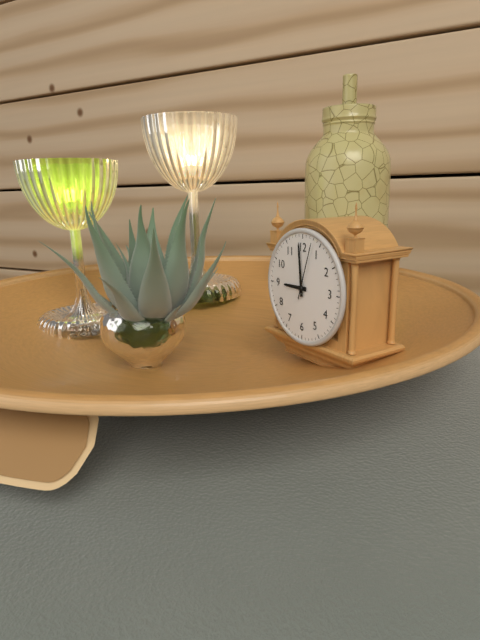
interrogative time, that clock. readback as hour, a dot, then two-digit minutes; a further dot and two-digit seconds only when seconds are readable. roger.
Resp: 8.59.03
